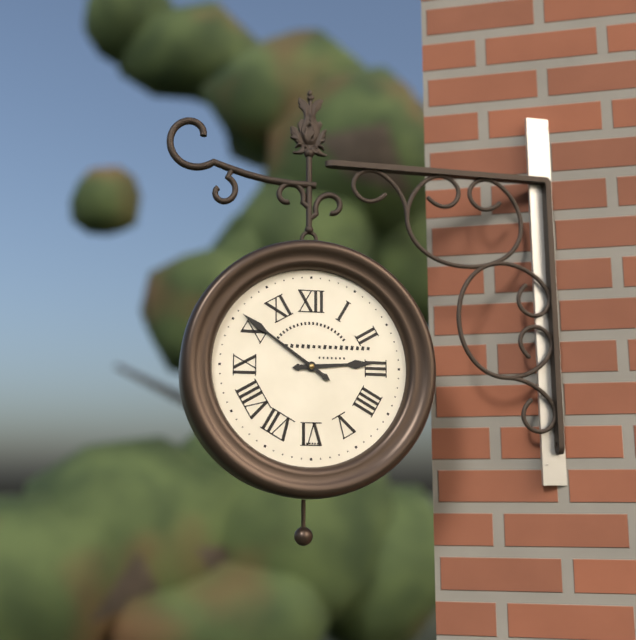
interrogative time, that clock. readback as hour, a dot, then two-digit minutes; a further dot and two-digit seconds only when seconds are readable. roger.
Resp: 2.51
